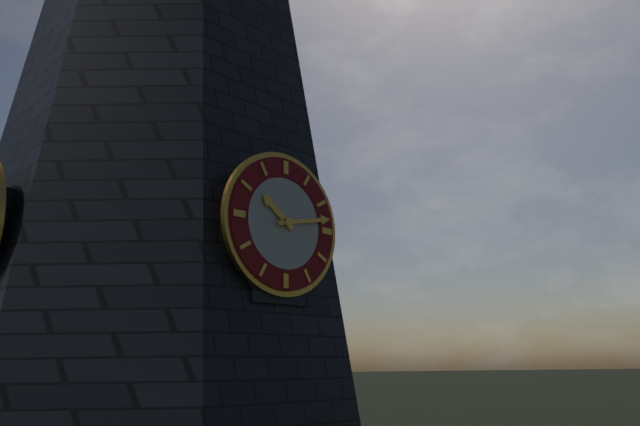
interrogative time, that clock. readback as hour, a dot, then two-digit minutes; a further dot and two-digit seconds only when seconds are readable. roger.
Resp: 10.13
